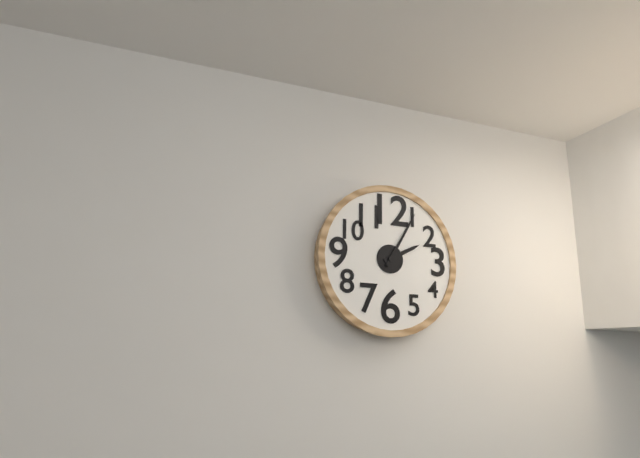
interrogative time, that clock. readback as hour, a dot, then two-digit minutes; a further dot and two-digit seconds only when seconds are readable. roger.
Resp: 2.05
